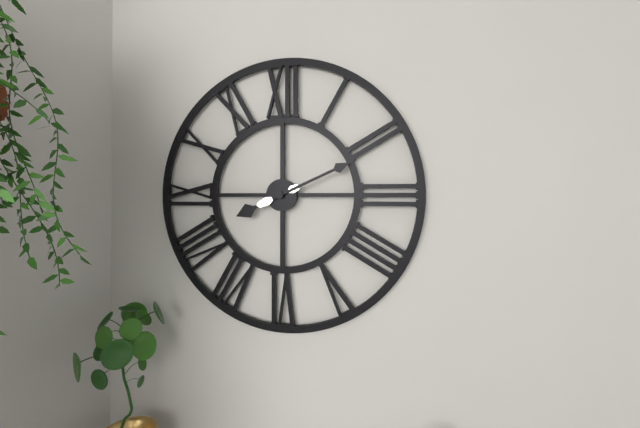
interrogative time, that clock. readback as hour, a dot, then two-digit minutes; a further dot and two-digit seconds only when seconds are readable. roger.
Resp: 8.11
